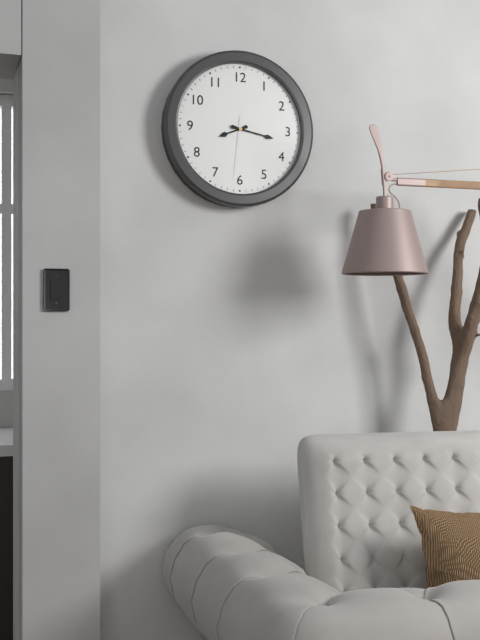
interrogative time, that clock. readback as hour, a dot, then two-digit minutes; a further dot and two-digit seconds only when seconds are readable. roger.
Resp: 8.17.31
